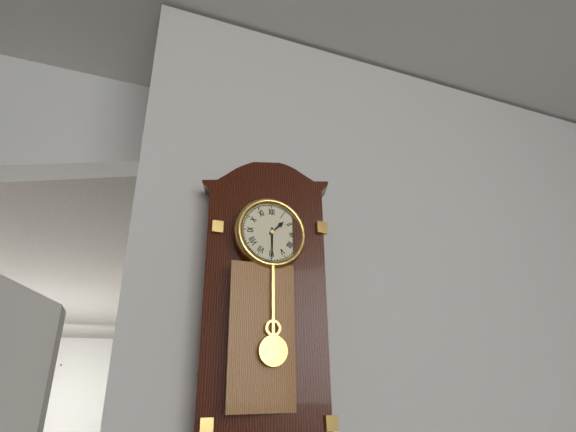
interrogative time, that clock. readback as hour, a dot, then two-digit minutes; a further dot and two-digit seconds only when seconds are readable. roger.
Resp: 1.30
